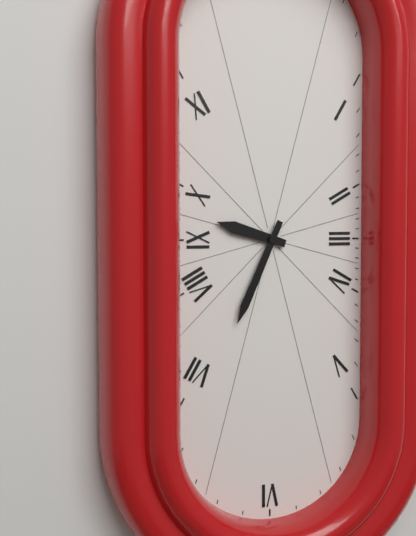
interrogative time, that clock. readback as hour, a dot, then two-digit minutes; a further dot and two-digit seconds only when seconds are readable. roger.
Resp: 9.34
